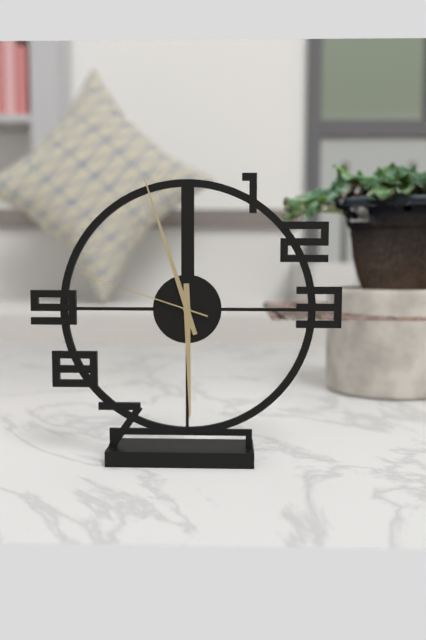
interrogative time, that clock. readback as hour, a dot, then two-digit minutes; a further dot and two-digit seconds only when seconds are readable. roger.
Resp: 5.57.48
